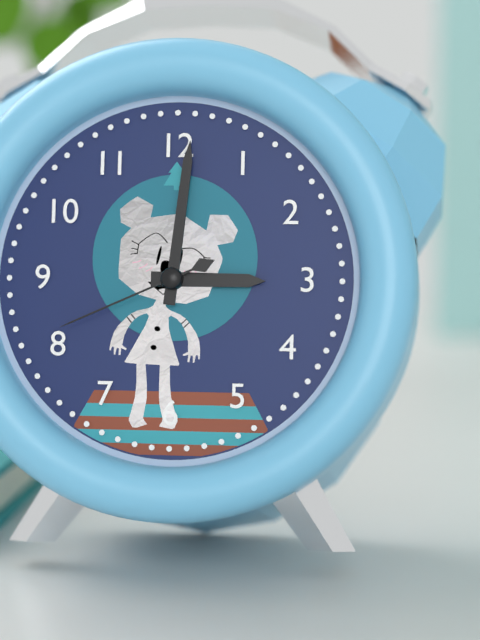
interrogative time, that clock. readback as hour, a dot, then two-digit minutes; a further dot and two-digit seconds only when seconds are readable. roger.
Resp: 3.01.41
